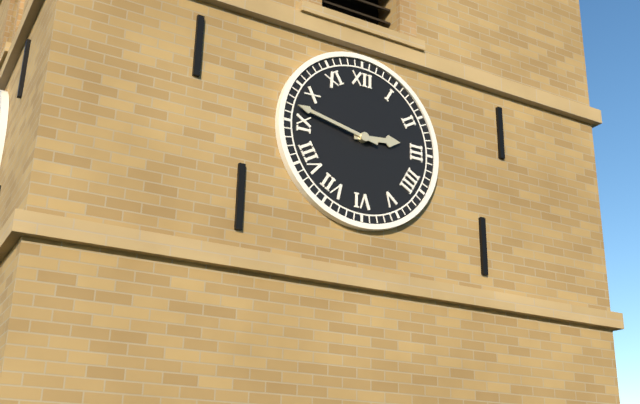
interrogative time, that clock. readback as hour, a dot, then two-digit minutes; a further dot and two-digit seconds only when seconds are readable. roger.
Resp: 2.47
